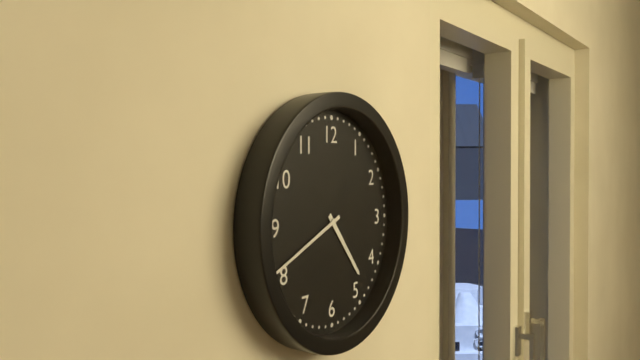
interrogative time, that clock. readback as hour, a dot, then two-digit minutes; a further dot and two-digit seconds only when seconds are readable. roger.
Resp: 4.41
